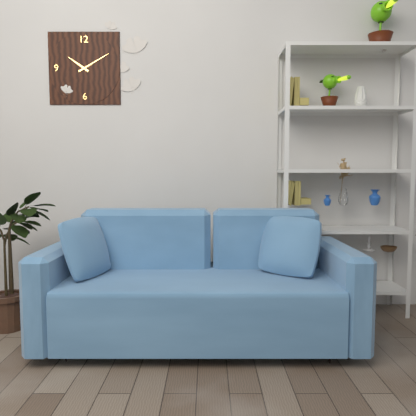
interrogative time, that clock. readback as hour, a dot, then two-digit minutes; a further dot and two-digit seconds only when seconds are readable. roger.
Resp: 10.10
